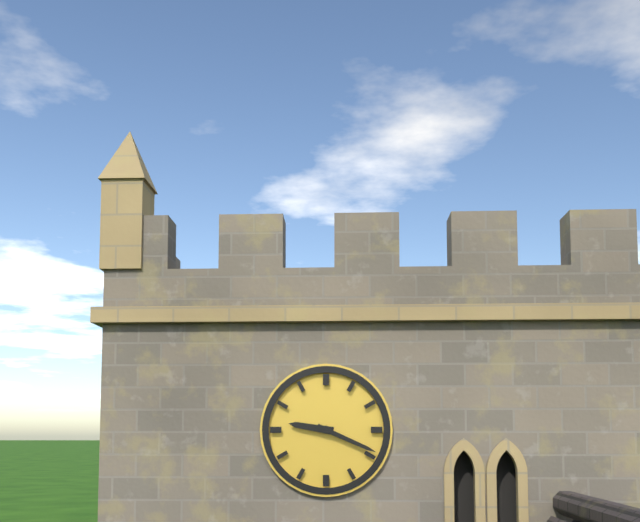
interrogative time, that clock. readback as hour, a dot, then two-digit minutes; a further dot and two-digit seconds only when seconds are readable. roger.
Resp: 9.19
